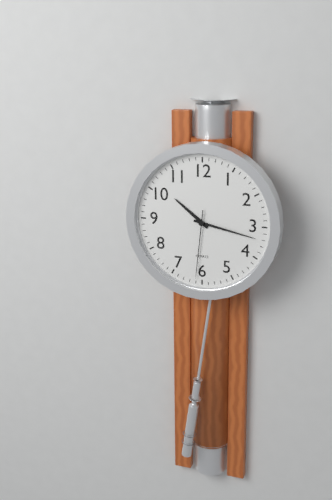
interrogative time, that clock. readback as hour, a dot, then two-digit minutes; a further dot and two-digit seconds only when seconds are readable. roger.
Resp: 10.17.31
